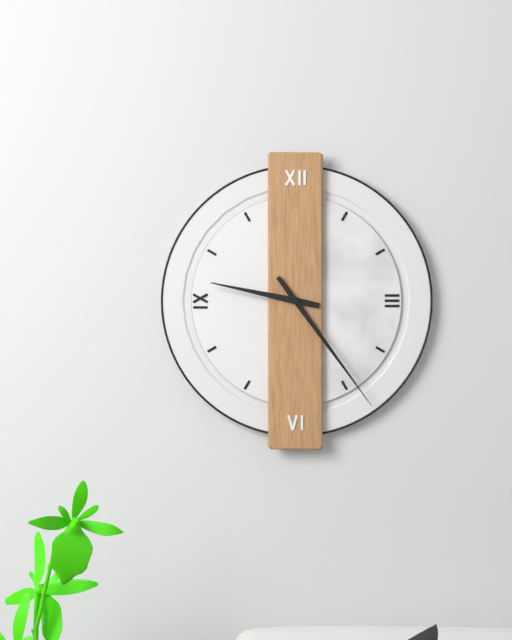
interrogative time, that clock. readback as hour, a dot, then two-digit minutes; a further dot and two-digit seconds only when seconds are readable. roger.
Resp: 9.24
